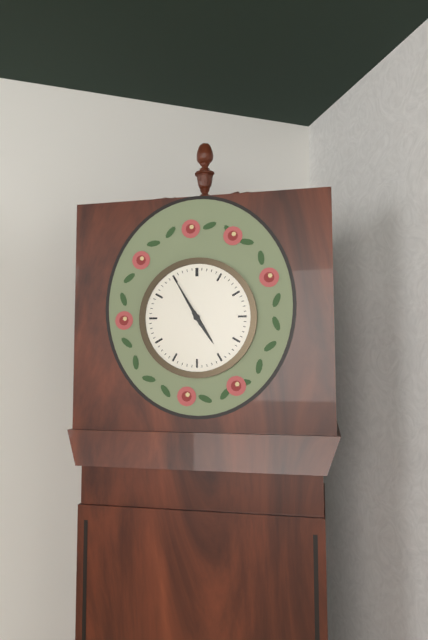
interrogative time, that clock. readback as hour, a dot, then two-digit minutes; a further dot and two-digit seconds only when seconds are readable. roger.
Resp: 4.55
